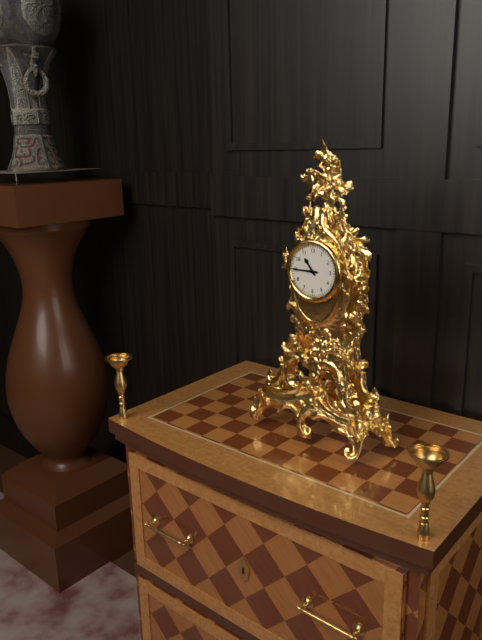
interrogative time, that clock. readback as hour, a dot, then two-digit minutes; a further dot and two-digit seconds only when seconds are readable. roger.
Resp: 10.45
